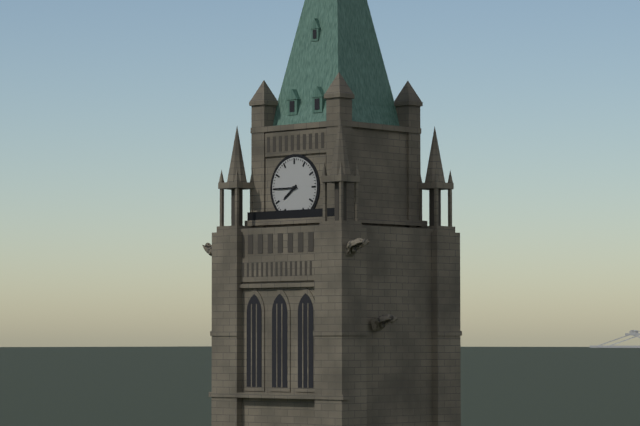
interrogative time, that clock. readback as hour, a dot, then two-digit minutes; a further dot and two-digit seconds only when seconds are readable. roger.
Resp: 7.45
